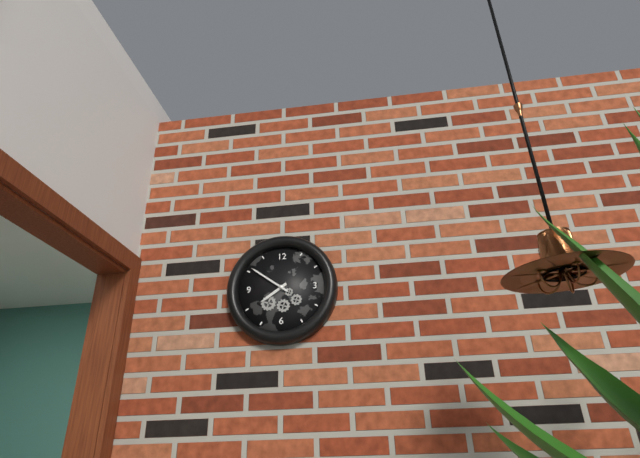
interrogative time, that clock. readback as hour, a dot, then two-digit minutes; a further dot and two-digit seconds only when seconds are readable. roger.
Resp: 7.51
